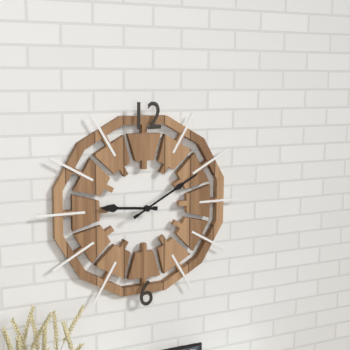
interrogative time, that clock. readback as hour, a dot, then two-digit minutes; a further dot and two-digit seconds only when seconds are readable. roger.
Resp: 9.10
